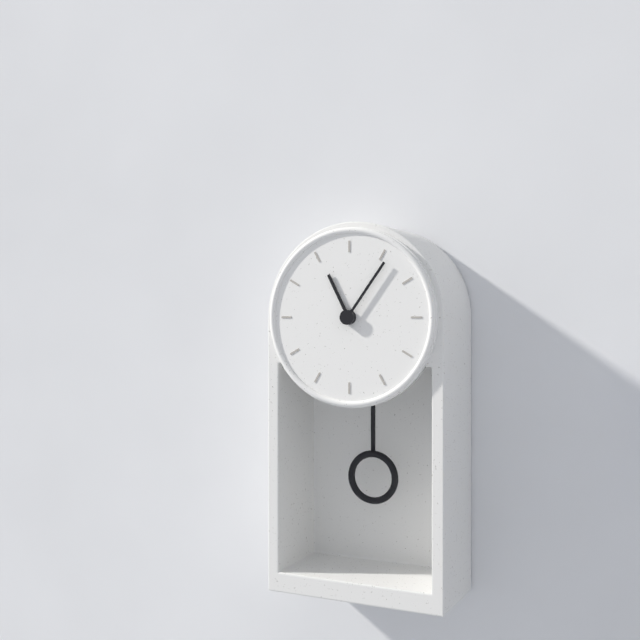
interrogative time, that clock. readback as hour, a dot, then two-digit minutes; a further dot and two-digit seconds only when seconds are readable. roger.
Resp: 11.06
